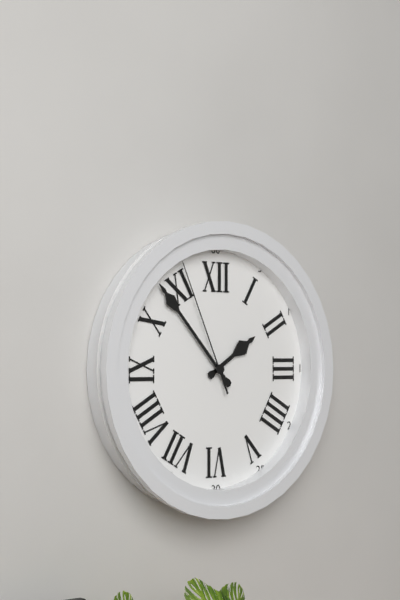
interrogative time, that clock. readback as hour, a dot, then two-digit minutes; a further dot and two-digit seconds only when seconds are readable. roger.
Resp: 1.53.56
